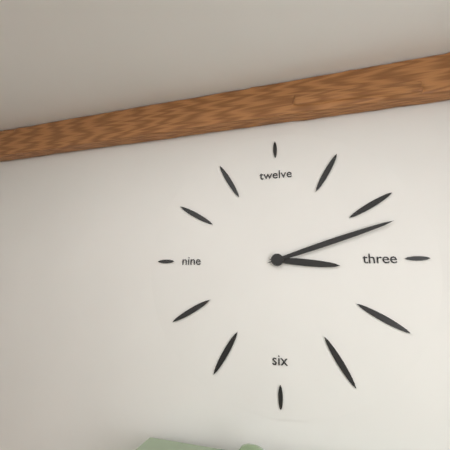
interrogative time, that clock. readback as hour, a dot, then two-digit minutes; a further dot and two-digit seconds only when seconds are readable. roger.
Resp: 3.12
